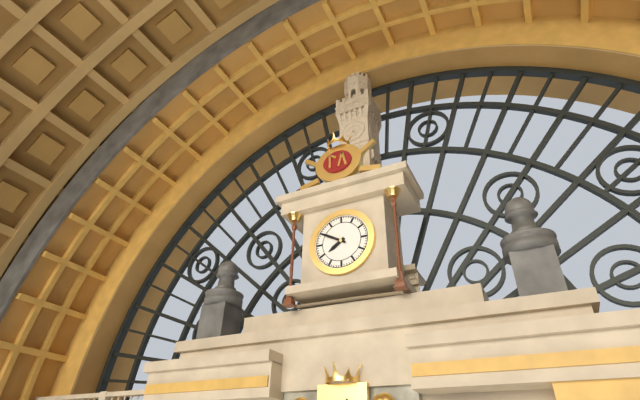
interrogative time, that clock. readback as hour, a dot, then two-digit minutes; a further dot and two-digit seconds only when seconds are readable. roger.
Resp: 7.50
